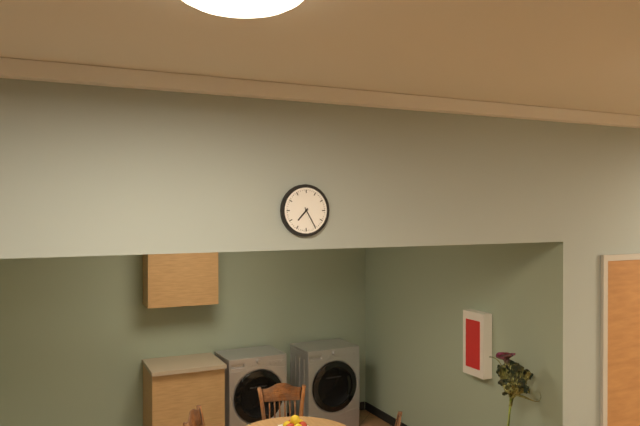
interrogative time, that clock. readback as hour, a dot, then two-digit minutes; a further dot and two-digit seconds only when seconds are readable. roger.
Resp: 7.25
